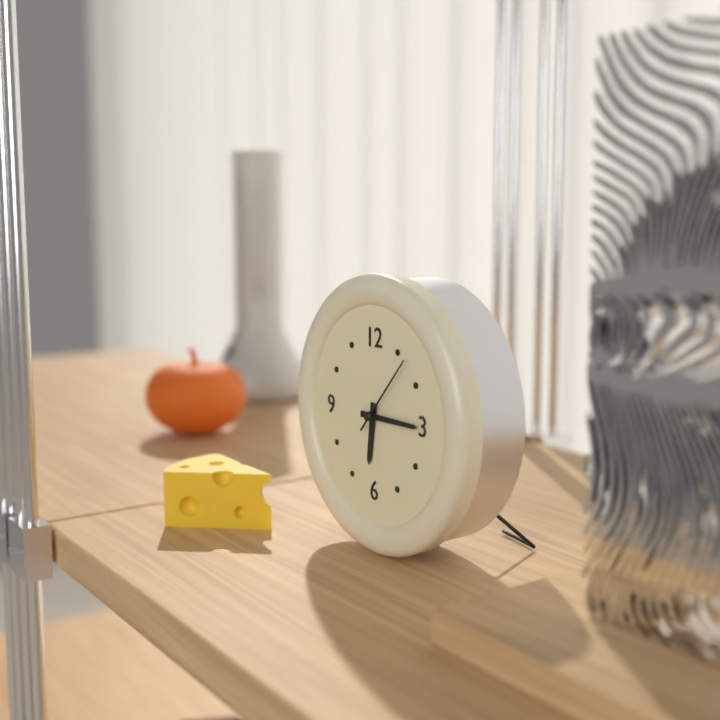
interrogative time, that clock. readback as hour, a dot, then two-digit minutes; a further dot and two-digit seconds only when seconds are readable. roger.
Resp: 6.15.07
